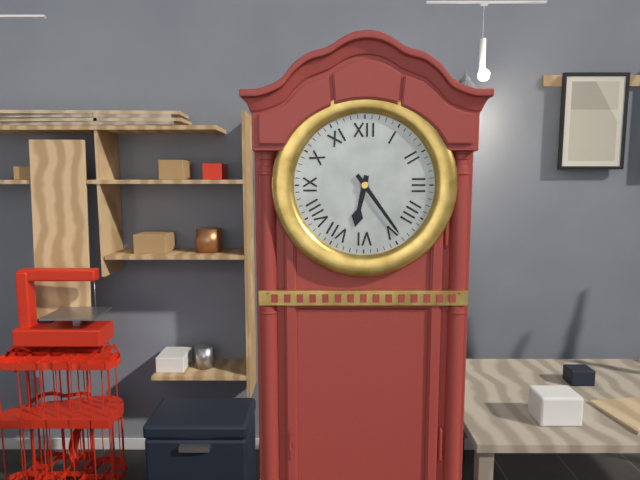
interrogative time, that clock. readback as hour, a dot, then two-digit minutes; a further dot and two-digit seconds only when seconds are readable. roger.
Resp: 6.24
